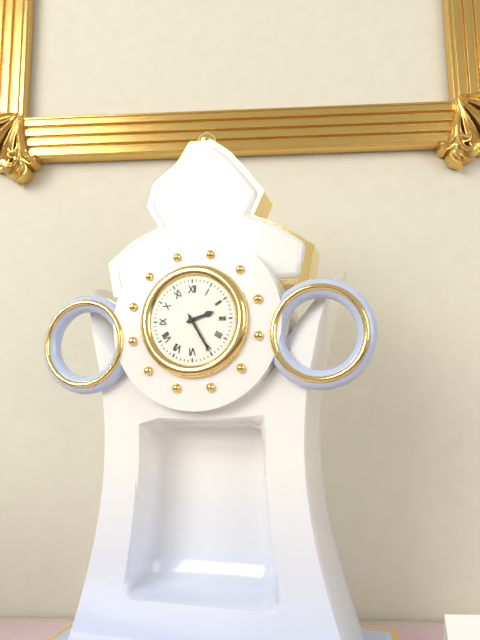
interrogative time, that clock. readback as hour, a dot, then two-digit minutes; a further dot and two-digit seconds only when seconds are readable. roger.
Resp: 2.25
